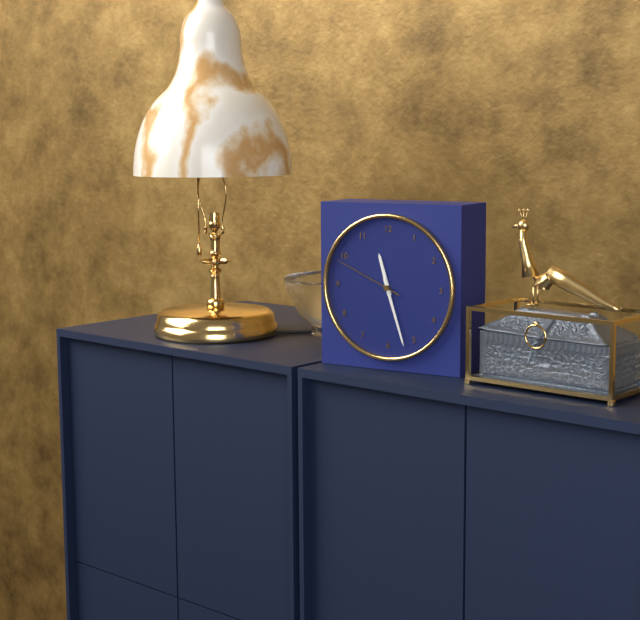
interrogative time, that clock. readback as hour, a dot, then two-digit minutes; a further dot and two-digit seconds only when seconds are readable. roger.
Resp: 11.27.49
